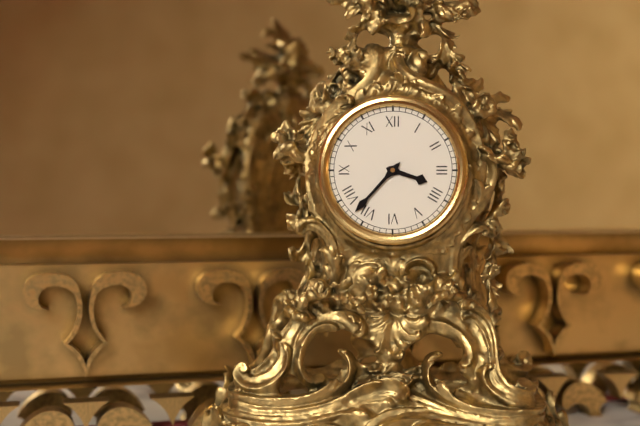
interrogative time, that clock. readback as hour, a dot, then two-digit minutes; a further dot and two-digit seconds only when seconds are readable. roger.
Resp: 3.37
